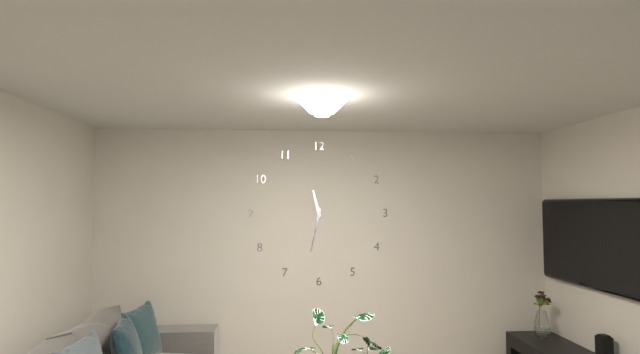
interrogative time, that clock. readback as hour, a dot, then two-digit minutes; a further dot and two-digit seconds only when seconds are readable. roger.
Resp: 11.32
